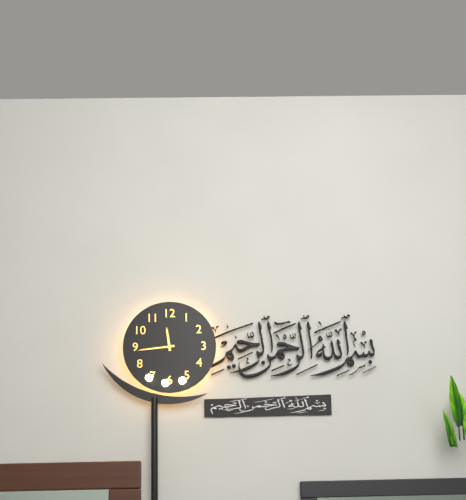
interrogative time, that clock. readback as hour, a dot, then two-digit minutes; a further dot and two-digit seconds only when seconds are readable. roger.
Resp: 11.44
